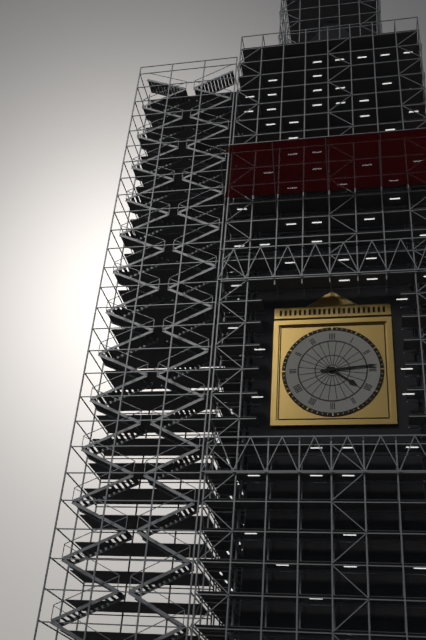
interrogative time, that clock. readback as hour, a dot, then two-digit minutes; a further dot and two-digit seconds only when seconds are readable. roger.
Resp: 4.14
